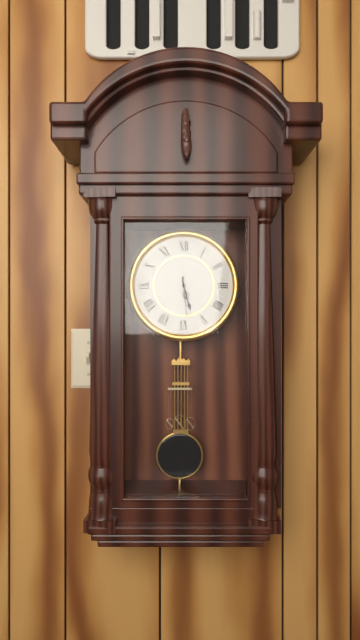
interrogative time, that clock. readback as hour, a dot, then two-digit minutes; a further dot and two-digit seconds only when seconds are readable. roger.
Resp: 5.29
